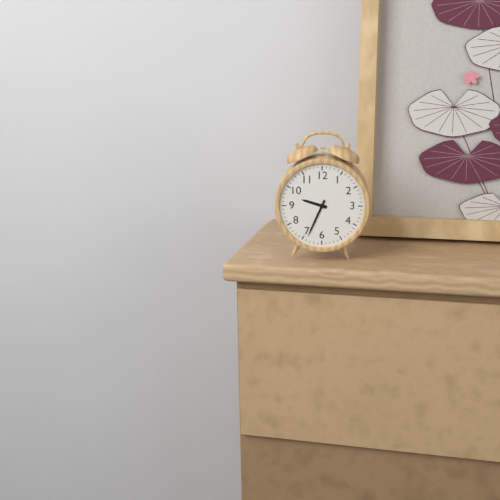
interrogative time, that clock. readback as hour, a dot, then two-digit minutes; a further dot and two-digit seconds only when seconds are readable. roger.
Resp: 9.34
